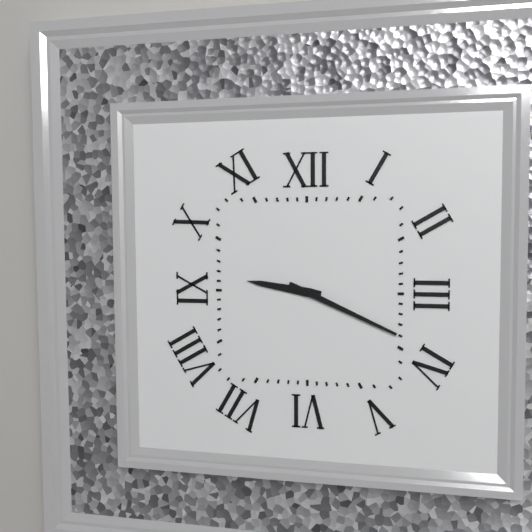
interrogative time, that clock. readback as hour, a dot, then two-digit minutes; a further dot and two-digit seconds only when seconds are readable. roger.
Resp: 9.19
